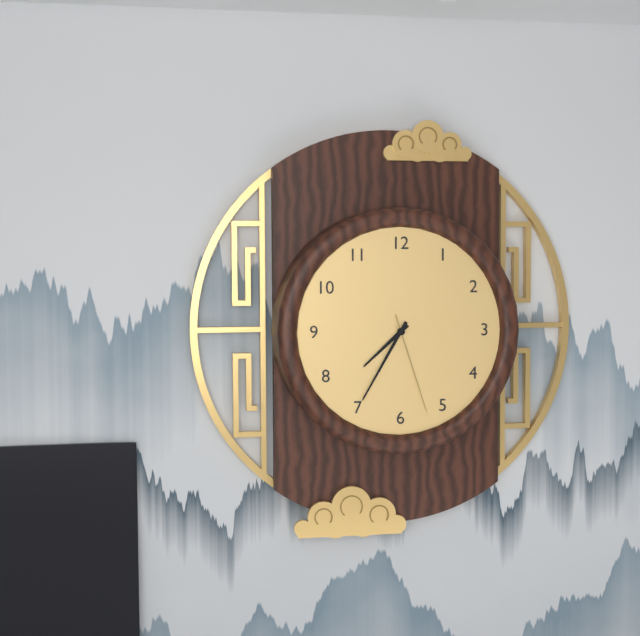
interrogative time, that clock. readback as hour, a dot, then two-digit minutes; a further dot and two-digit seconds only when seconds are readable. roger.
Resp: 7.35.27
